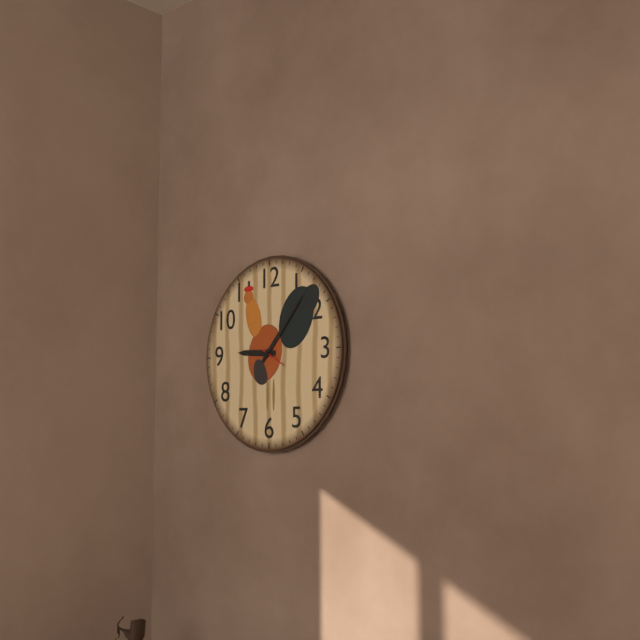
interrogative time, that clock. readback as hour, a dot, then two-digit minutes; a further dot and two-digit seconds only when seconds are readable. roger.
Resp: 9.07
